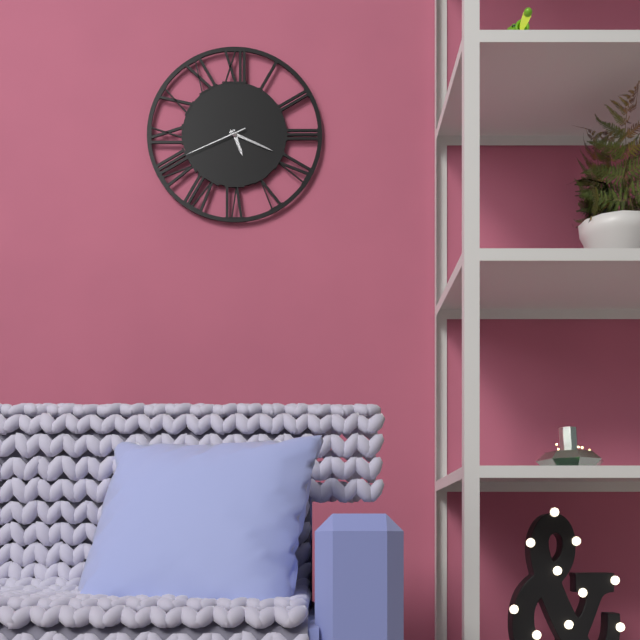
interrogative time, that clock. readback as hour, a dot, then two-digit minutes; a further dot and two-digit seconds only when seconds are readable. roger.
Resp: 5.19.41
